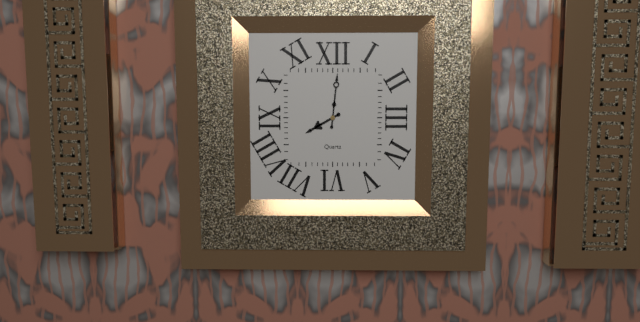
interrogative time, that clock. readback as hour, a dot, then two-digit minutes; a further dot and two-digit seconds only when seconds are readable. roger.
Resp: 8.01
